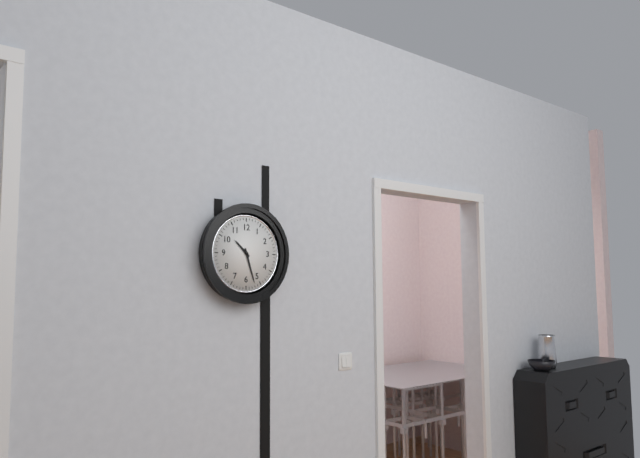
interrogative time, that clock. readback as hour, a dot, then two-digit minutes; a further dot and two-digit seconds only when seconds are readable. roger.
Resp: 10.27
